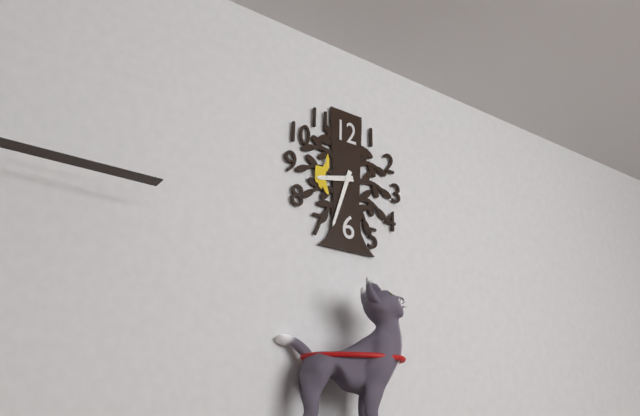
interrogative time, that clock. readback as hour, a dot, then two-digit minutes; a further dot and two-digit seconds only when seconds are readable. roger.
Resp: 8.33
